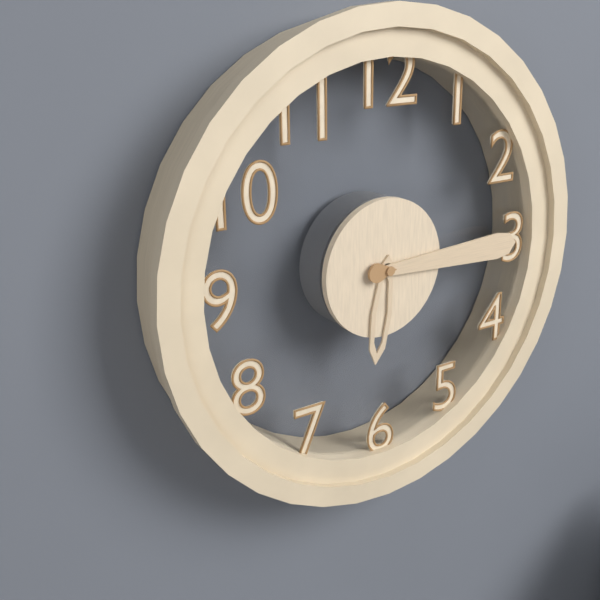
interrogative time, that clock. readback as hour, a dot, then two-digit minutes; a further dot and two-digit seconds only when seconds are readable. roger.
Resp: 6.15
